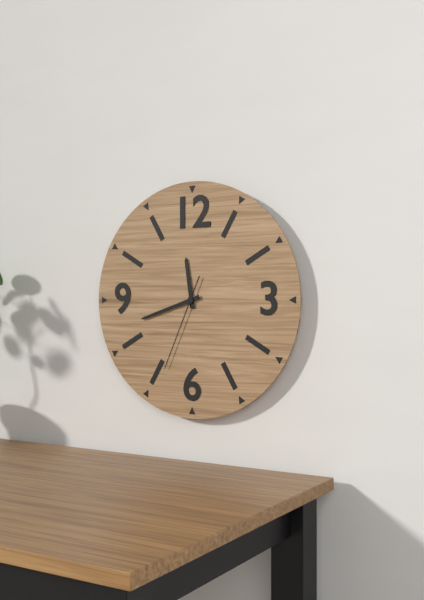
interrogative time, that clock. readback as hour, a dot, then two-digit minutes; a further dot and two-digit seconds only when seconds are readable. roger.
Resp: 11.42.34
